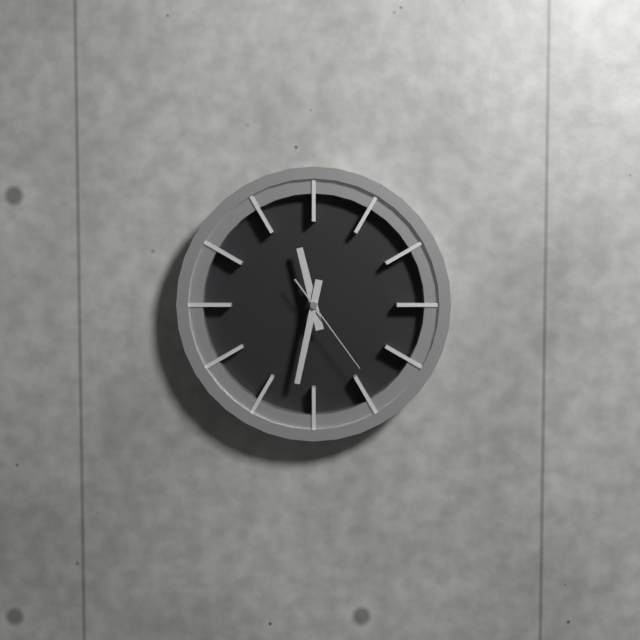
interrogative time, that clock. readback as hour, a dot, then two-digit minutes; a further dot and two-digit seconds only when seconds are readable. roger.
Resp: 11.32.24
